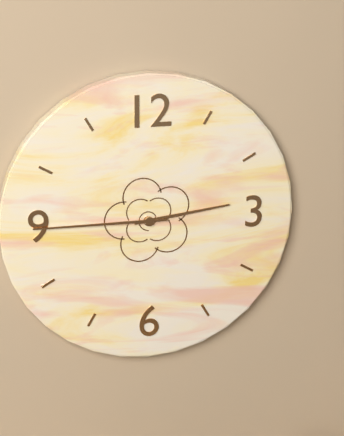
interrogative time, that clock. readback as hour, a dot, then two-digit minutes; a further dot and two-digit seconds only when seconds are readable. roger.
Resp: 2.45
